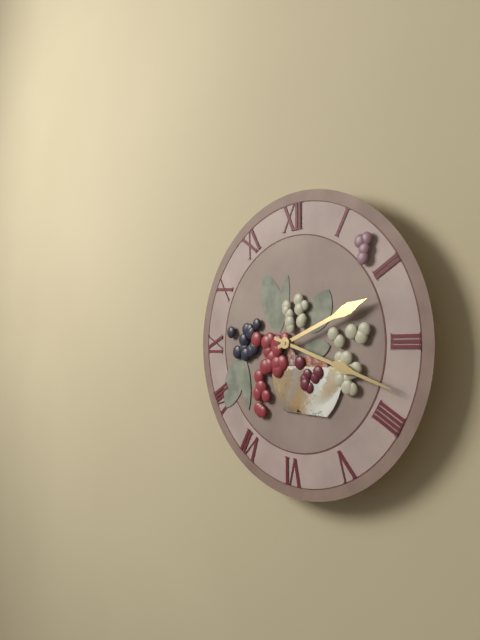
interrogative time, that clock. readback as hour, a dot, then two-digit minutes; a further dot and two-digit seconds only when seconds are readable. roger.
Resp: 2.18
